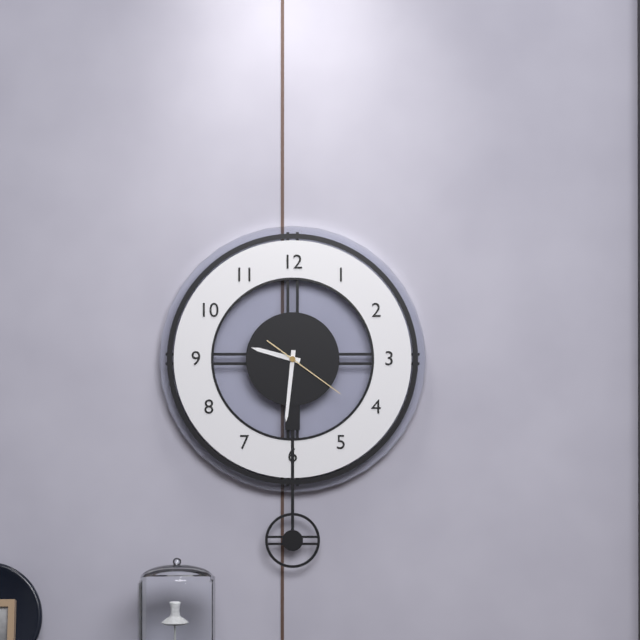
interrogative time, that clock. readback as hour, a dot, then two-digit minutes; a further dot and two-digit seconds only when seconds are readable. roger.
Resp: 9.31.21
